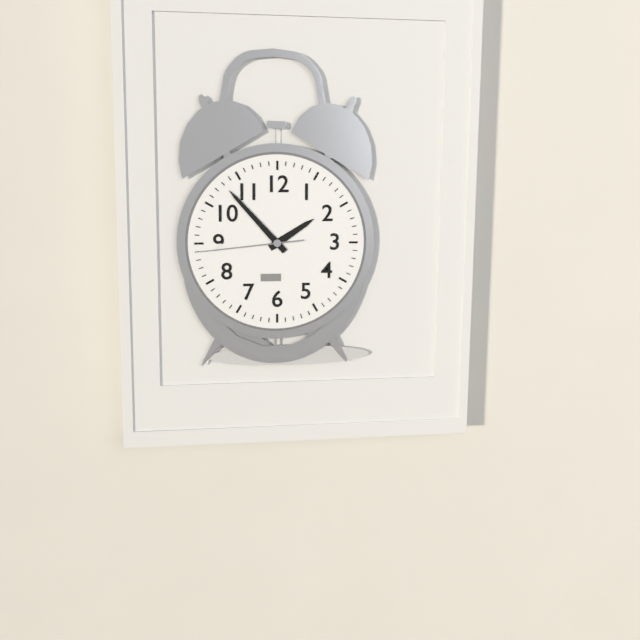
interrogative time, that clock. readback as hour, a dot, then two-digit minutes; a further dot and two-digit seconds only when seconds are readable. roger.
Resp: 1.53.44
